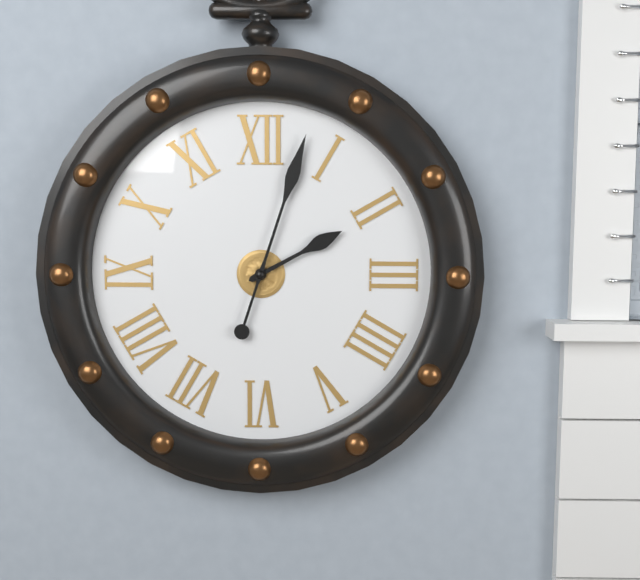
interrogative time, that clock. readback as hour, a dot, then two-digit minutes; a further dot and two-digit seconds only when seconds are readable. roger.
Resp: 2.03
